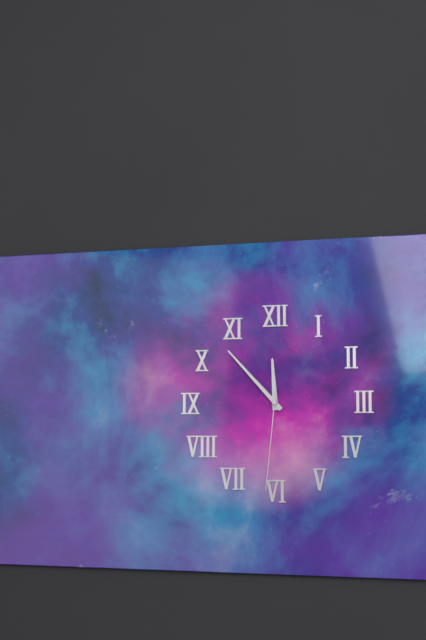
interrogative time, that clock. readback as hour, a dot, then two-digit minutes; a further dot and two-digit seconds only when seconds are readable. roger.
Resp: 11.53.31
